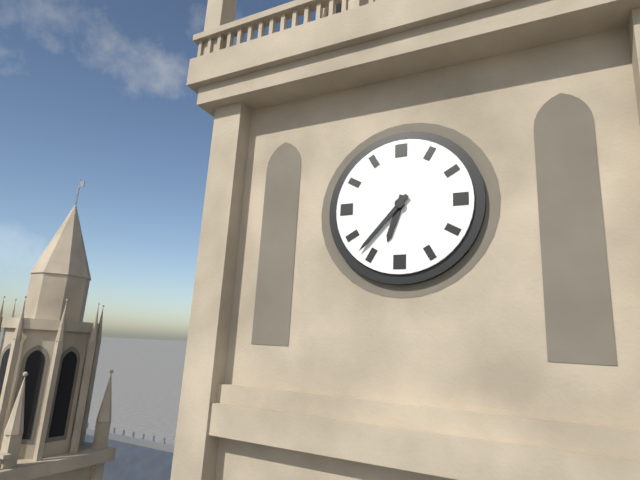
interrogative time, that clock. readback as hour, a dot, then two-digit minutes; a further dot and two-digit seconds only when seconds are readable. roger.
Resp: 6.37
